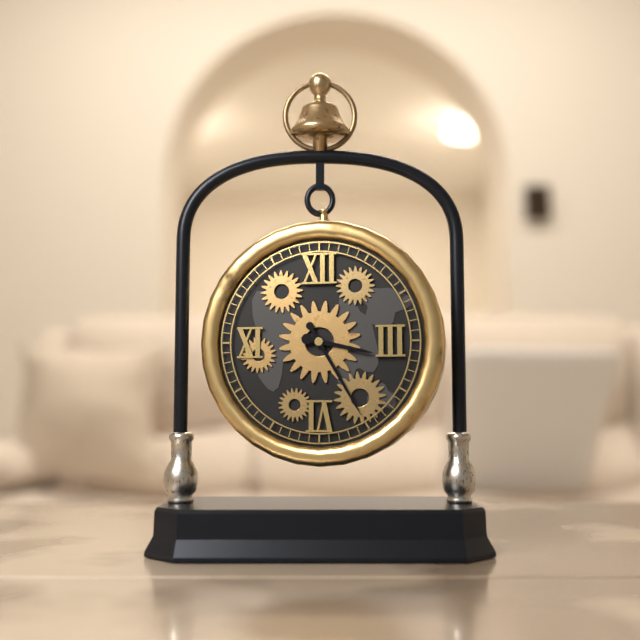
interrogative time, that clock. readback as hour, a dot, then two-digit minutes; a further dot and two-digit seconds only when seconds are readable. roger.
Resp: 3.25
